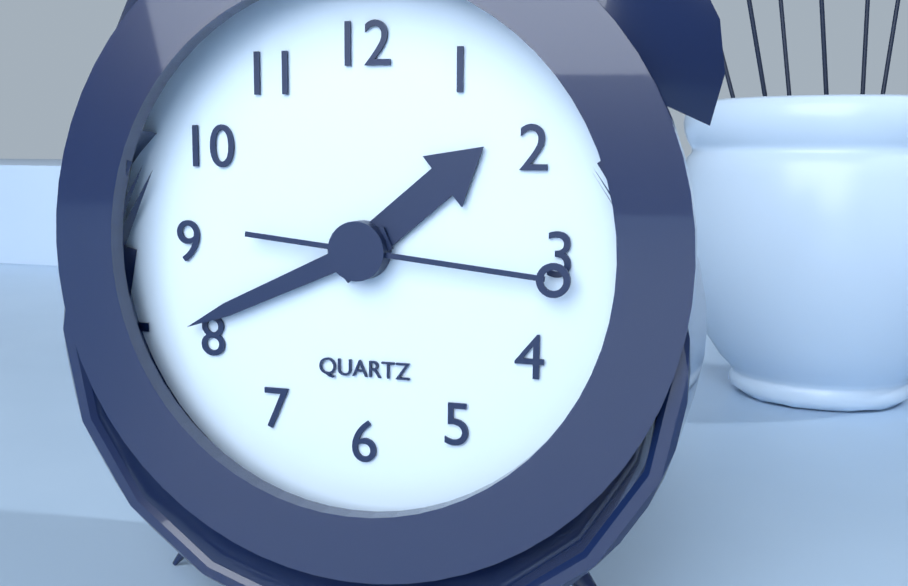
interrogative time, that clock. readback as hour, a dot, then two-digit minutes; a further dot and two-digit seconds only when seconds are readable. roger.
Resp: 1.41.16
